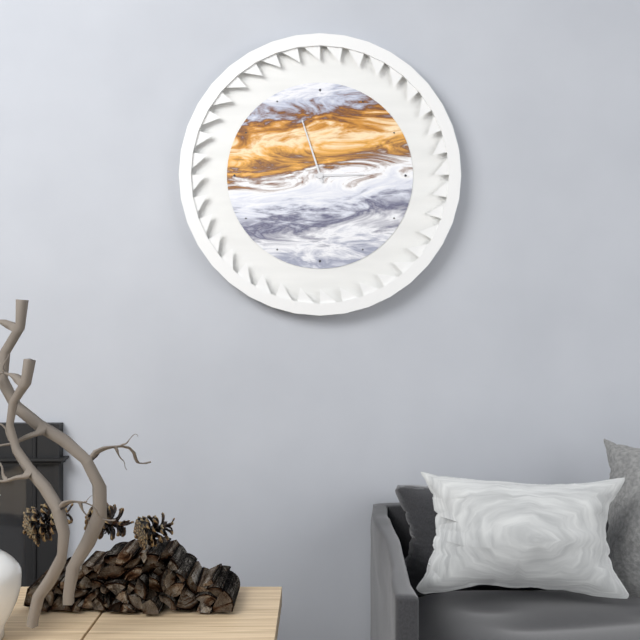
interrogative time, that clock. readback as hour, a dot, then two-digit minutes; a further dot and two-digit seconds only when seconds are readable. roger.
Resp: 2.57
